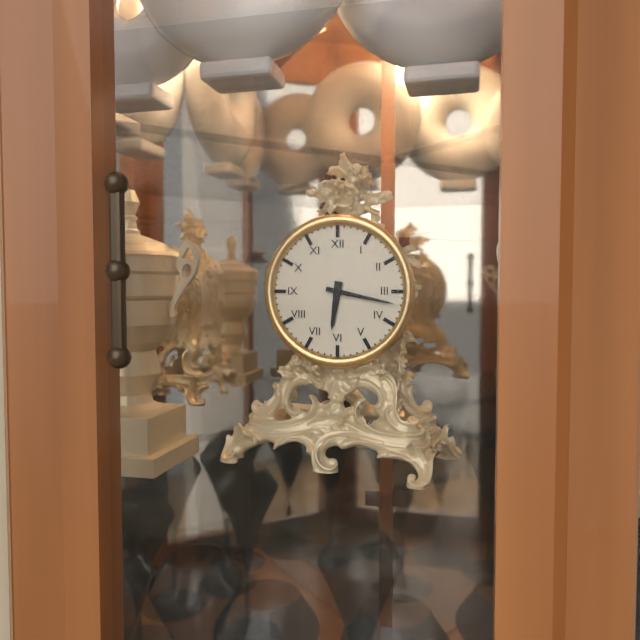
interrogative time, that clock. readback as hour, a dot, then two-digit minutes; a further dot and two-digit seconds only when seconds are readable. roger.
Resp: 6.17
